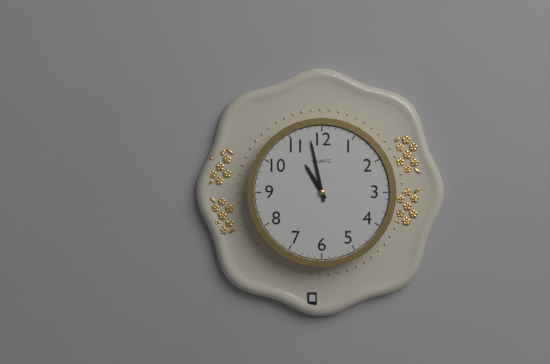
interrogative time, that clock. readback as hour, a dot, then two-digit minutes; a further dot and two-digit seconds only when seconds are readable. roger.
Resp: 10.58
